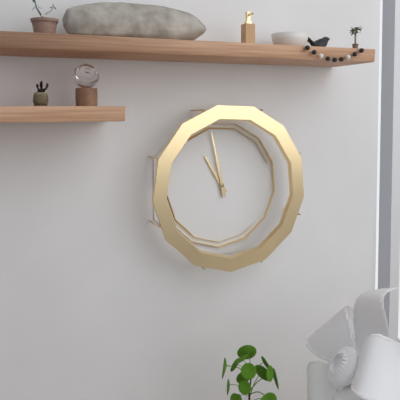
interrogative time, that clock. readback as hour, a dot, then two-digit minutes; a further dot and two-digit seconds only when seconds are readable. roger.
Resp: 10.58
